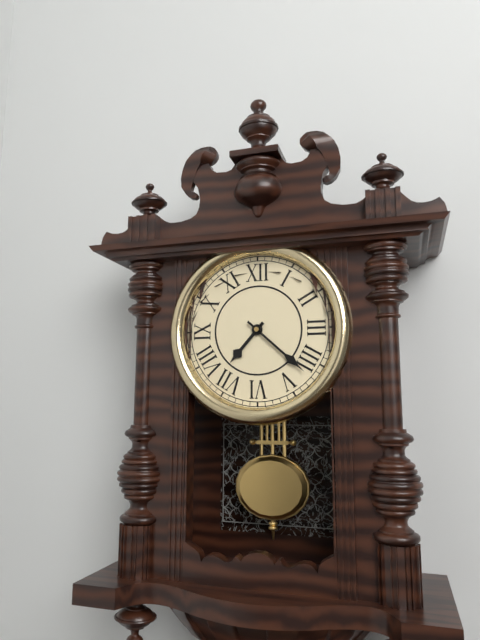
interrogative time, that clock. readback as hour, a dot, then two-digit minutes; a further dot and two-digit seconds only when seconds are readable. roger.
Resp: 7.22
